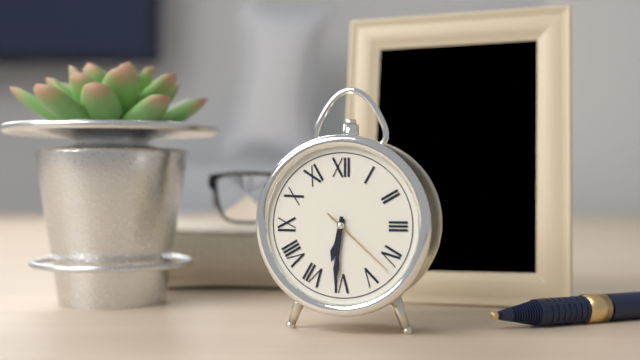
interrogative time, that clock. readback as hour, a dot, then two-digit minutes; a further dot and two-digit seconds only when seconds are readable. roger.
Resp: 6.31.22
